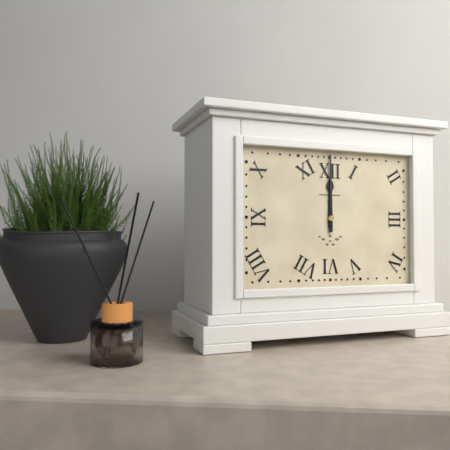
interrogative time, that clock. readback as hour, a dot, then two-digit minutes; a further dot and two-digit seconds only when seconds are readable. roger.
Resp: 12.00
